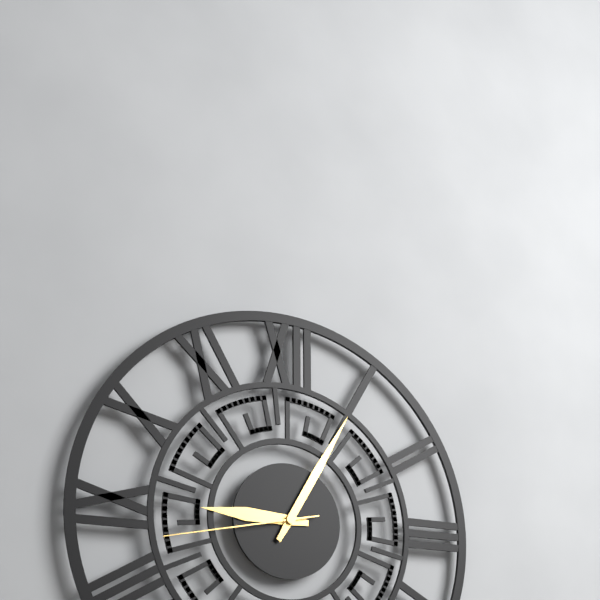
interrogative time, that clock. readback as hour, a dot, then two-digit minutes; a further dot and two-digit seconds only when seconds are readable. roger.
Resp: 9.05.43
